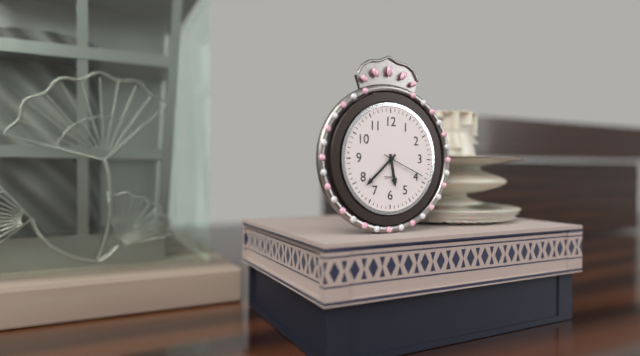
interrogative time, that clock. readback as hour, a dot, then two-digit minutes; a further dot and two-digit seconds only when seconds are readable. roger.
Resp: 5.38
